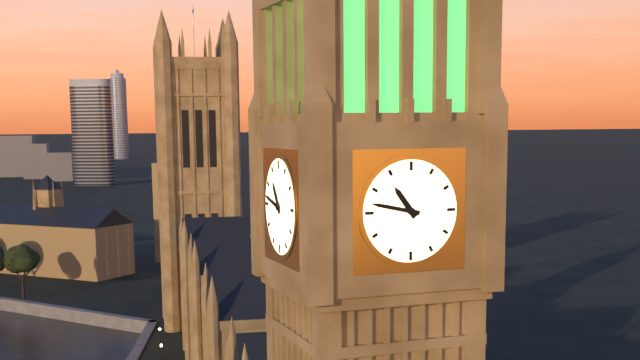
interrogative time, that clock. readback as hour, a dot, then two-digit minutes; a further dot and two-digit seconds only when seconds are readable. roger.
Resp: 10.47
